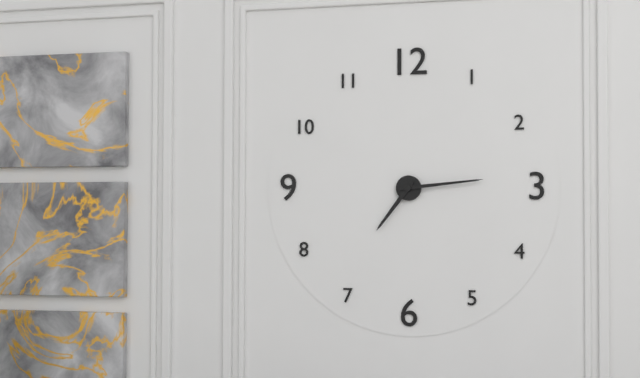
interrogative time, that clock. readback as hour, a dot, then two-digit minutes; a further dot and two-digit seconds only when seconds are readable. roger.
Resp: 7.14
